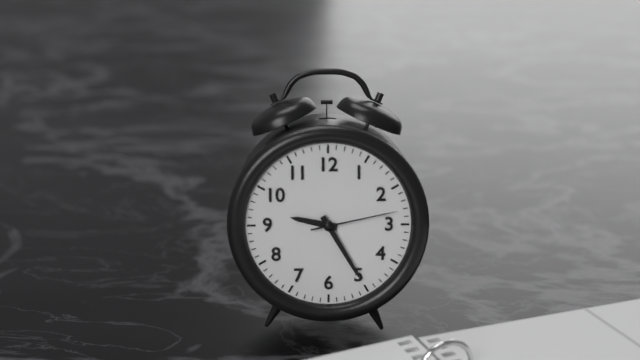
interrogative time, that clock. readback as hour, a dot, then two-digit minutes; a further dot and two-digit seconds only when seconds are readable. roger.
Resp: 9.25.13
